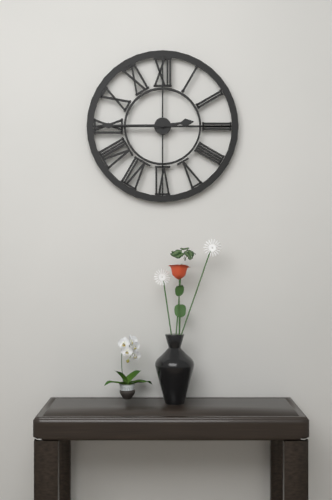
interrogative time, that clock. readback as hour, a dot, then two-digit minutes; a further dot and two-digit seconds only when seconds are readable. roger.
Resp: 2.45
